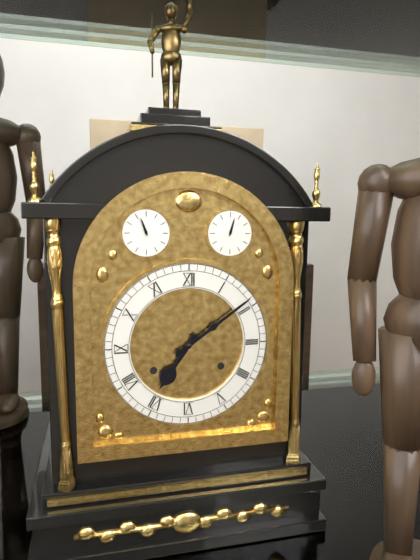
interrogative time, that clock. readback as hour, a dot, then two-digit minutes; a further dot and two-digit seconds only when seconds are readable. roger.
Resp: 7.09
